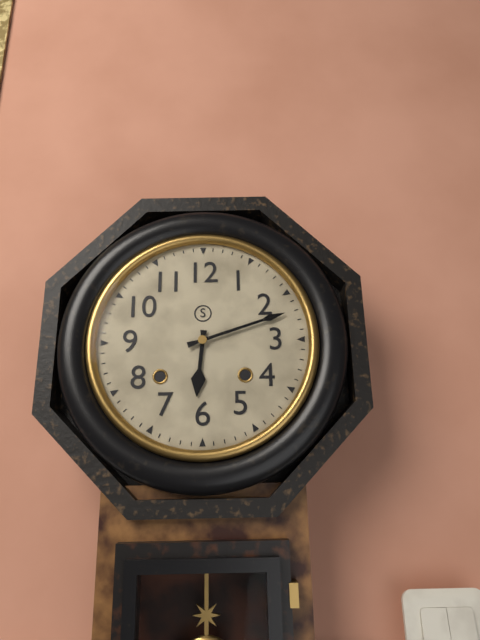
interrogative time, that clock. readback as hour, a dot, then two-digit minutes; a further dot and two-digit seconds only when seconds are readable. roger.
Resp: 6.12
